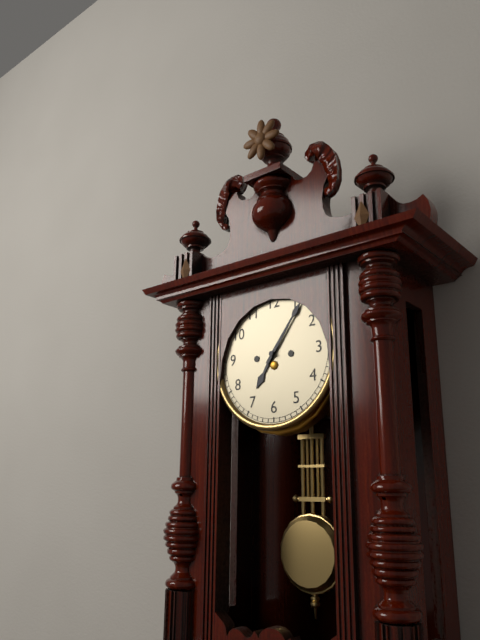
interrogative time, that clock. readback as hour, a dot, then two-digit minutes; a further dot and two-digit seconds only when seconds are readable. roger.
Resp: 7.06
